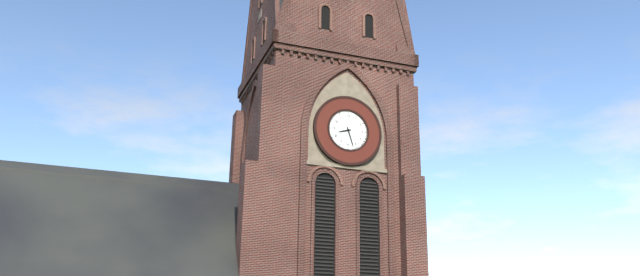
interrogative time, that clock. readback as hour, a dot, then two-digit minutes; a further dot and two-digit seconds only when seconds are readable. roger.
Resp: 8.27
